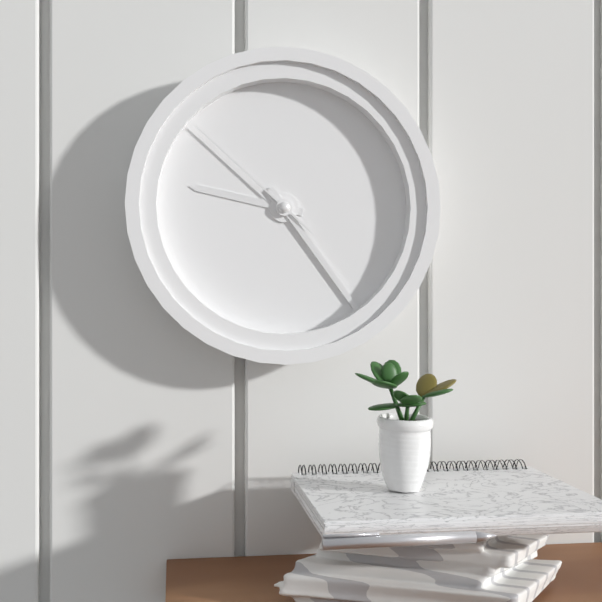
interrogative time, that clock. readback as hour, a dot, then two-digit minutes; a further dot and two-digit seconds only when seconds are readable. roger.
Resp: 9.24.52
